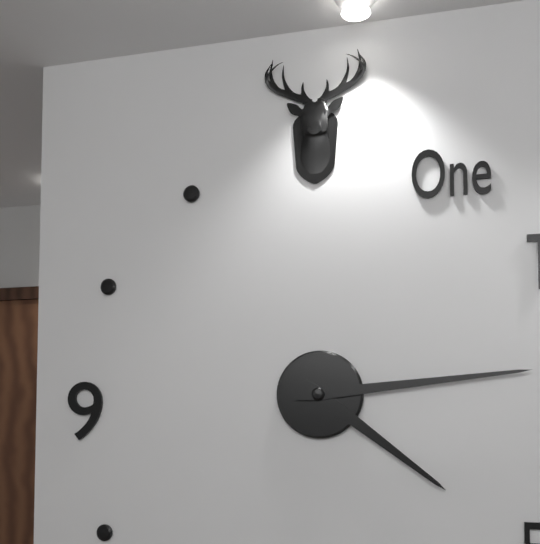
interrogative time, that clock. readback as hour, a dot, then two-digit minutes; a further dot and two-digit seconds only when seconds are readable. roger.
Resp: 4.14
